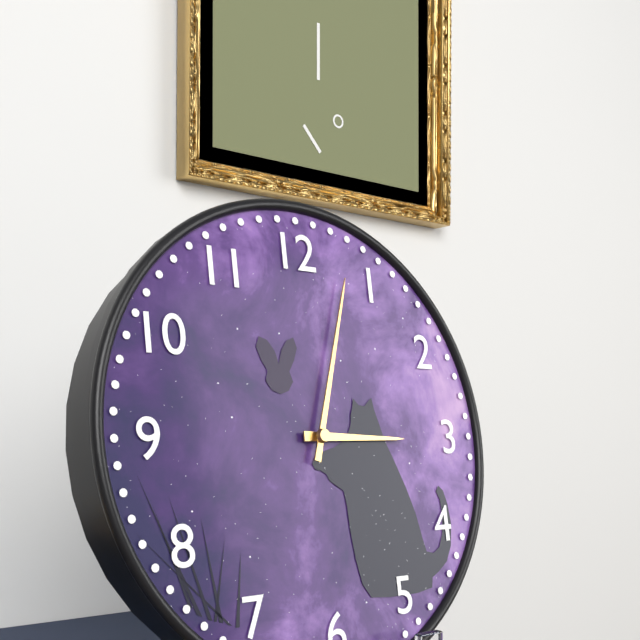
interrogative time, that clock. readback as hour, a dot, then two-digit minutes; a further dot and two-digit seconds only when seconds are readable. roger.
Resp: 3.03
